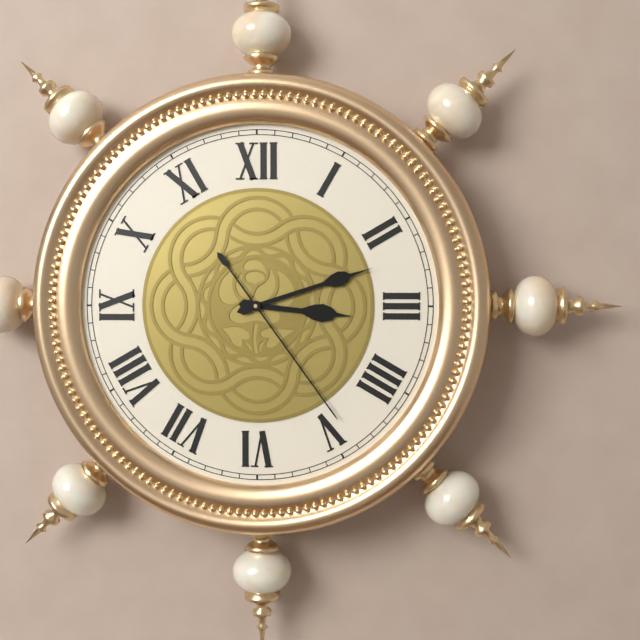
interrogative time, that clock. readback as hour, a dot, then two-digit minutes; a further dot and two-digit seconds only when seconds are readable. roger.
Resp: 3.12.24
